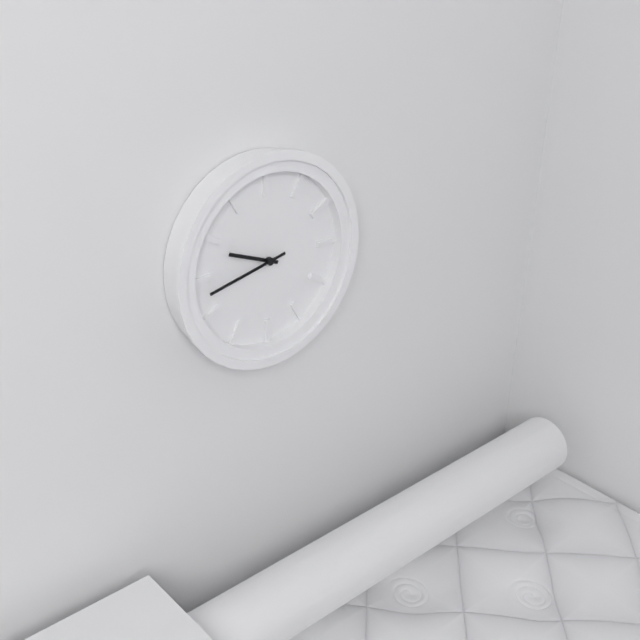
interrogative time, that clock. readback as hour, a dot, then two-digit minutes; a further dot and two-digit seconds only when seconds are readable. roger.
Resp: 9.43
